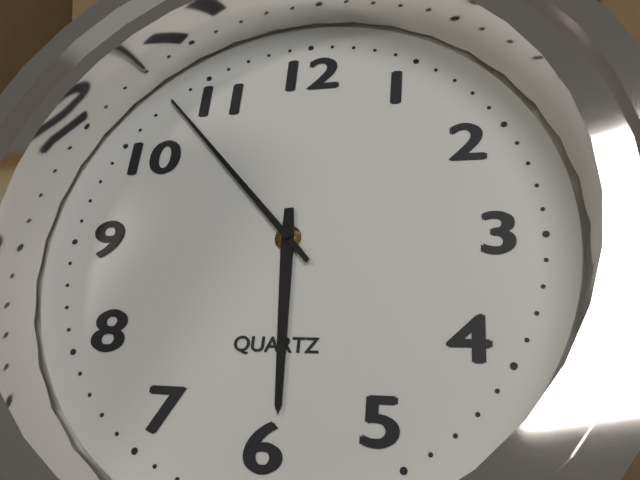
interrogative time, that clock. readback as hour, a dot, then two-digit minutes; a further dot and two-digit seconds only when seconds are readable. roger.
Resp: 5.53
